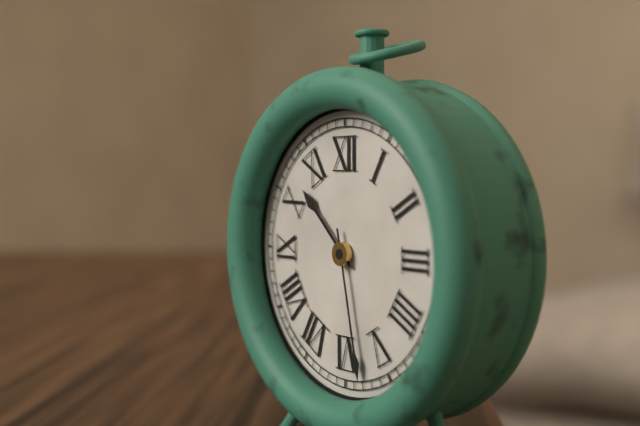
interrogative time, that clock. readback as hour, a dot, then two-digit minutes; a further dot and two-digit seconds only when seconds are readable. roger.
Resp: 10.28
